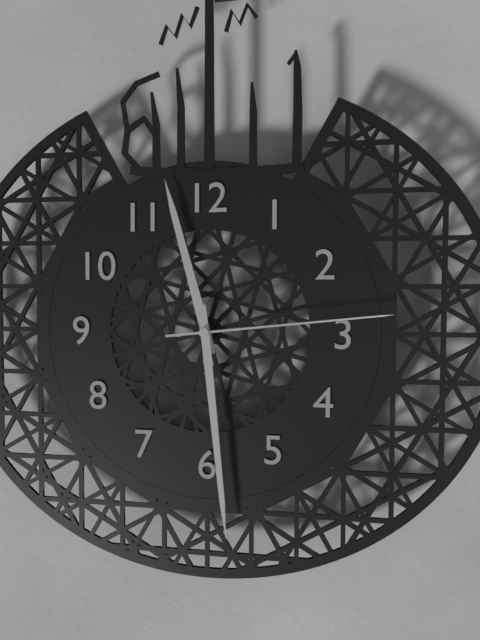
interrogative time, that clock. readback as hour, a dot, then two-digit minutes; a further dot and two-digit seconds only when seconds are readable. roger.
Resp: 11.29.14
